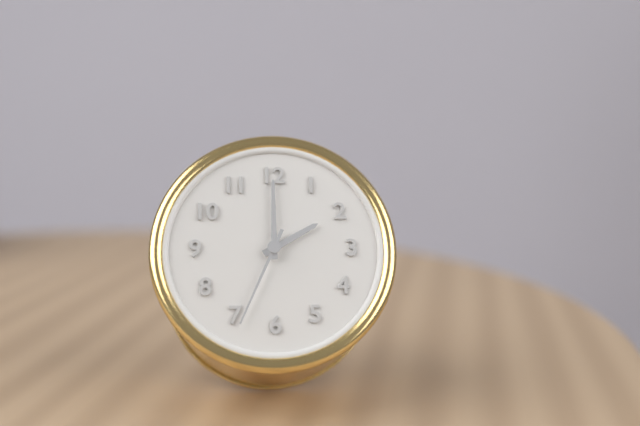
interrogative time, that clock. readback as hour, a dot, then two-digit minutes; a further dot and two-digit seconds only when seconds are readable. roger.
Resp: 2.00.34
